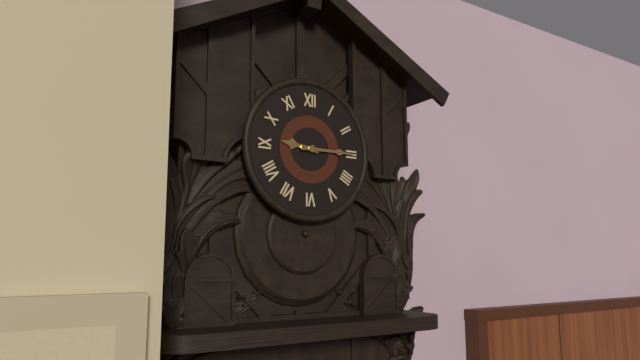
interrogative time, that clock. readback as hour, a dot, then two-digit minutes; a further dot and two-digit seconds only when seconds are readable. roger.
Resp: 9.15
